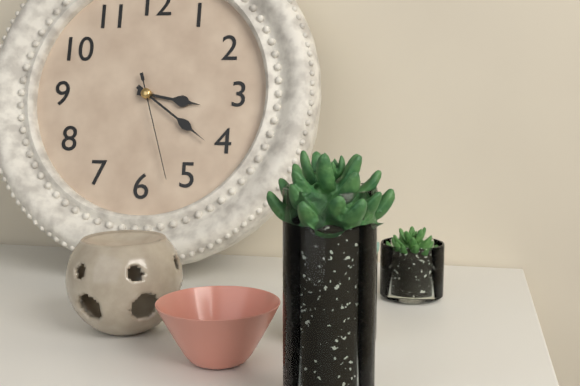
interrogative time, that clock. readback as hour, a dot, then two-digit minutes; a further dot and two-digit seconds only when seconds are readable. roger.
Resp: 3.21.27
